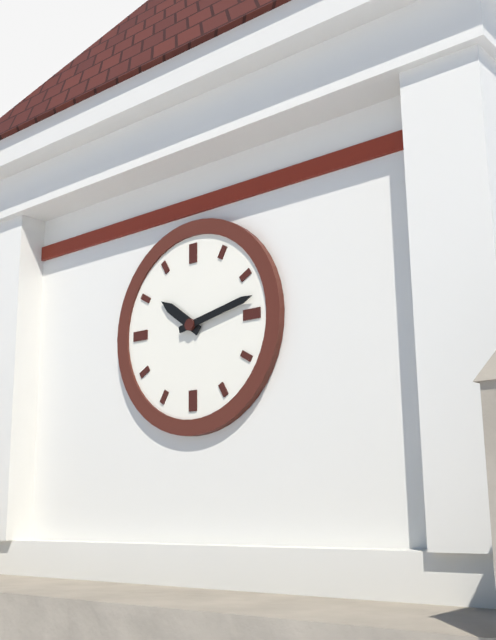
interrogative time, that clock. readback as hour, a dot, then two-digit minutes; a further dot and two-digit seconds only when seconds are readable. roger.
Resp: 10.13
